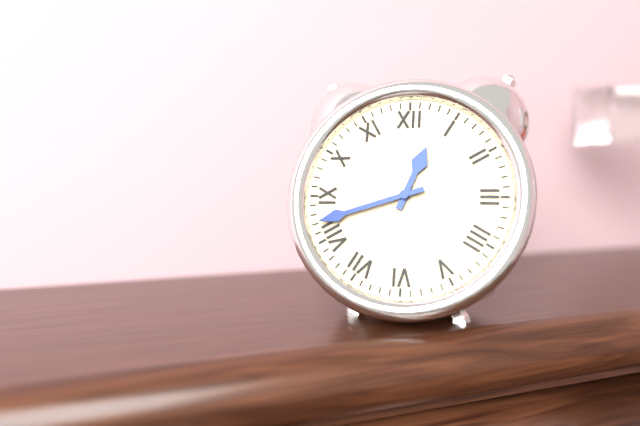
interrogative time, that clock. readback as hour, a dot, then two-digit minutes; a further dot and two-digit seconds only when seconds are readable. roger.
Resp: 12.42
